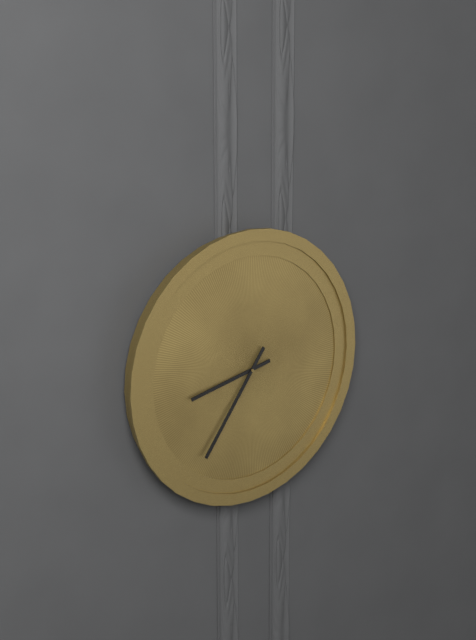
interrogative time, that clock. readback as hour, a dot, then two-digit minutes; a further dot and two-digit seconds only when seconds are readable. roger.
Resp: 8.36
